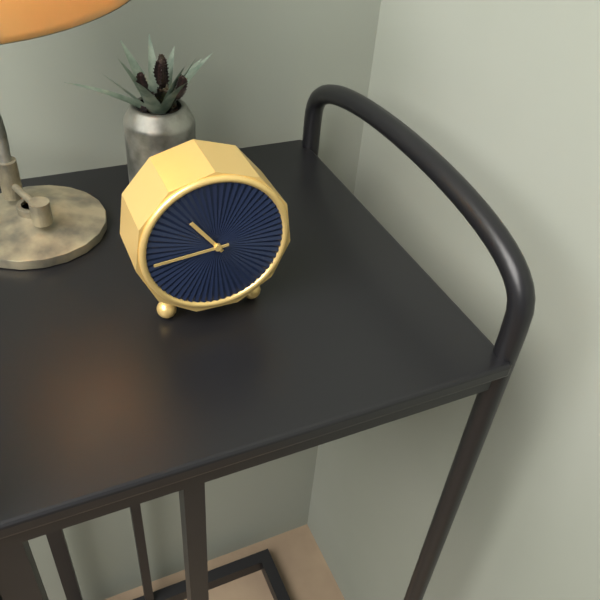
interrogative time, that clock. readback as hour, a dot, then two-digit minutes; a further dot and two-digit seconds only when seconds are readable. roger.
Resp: 10.44
